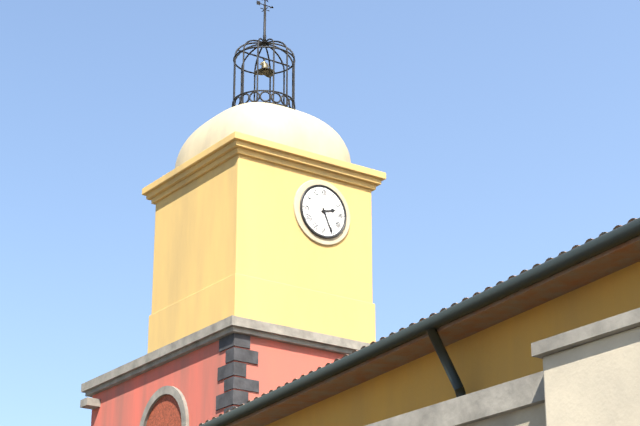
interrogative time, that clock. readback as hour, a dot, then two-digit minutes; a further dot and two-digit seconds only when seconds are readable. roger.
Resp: 2.26
